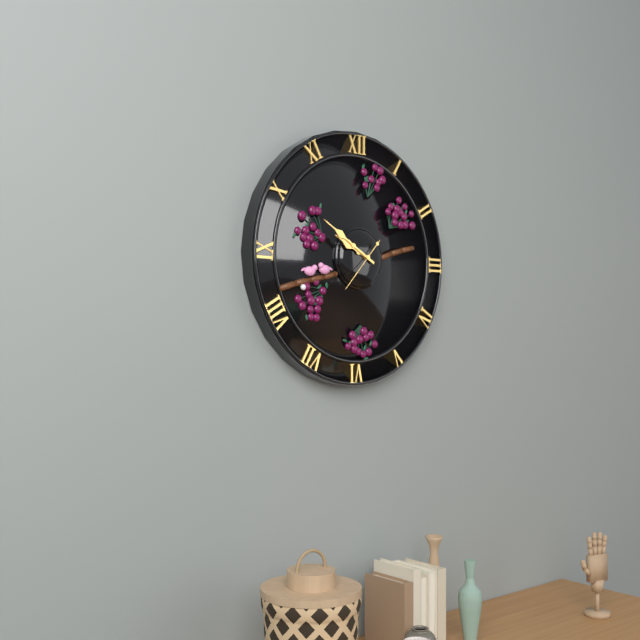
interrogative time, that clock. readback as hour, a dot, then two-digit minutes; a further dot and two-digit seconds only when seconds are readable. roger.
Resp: 9.50
